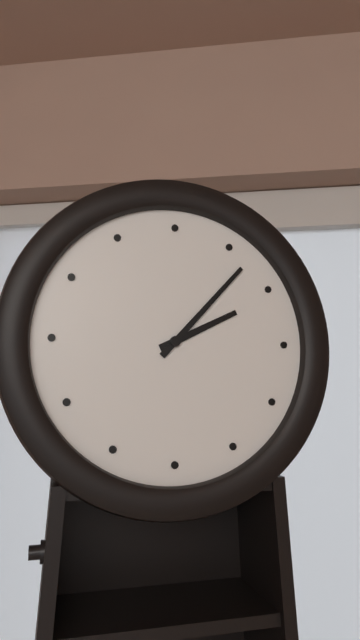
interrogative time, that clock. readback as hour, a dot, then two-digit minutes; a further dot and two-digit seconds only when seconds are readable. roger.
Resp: 2.07
